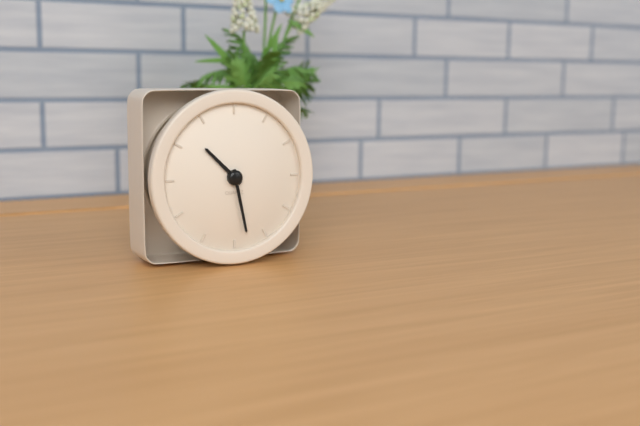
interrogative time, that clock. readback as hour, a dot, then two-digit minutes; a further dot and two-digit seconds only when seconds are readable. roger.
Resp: 10.28
